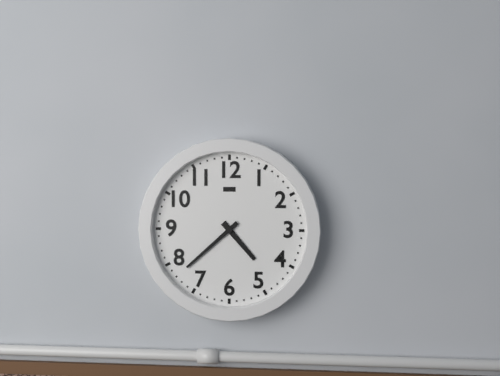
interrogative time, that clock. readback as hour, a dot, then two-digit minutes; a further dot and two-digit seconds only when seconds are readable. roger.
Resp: 4.38
